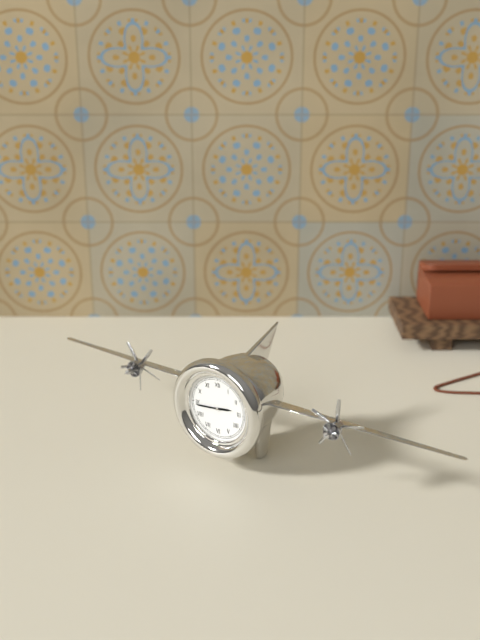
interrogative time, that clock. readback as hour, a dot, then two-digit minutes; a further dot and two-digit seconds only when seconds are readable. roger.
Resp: 2.44
